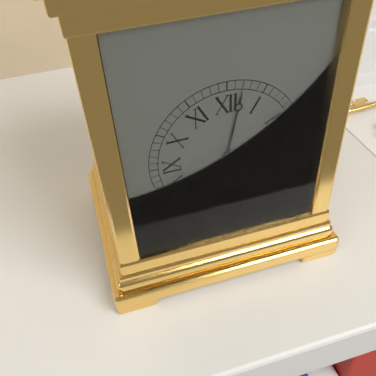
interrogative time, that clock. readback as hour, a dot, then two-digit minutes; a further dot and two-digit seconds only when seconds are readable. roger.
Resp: 7.02
